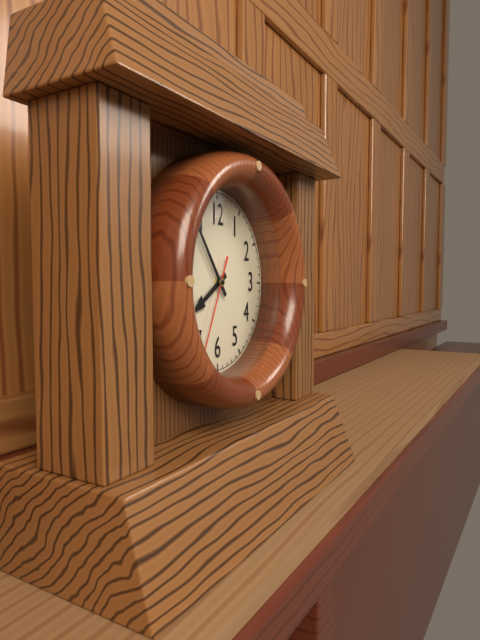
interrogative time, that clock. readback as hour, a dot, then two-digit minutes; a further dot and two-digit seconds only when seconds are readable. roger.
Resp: 7.54.34
